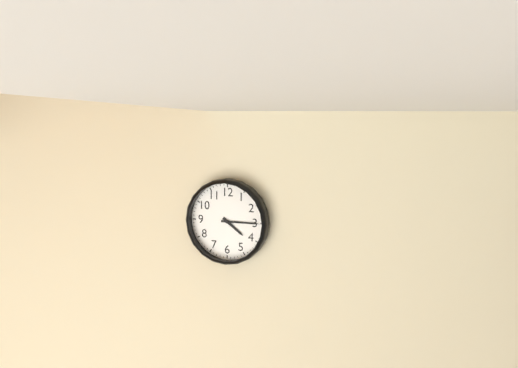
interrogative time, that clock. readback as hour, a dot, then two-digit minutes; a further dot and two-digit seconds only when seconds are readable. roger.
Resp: 4.15
